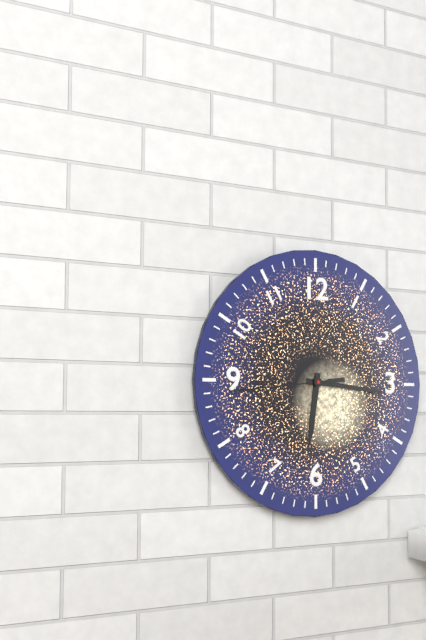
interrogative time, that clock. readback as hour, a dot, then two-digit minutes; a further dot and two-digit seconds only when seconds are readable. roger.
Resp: 6.16.44
